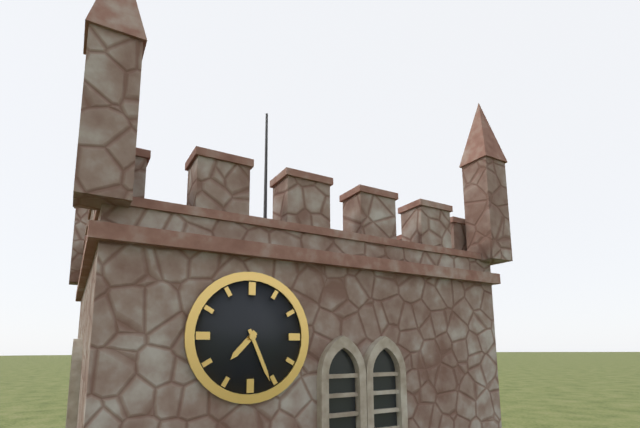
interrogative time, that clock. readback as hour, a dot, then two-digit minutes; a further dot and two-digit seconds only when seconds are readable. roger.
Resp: 7.26
